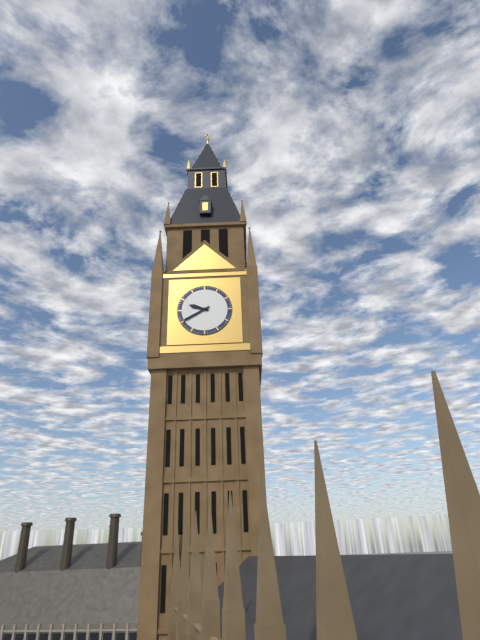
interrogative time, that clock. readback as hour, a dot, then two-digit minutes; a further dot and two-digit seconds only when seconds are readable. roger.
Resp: 9.40
